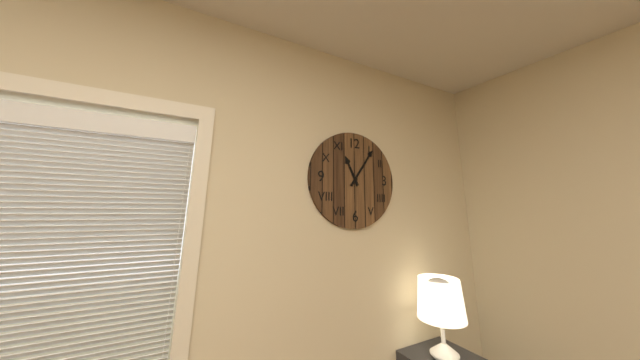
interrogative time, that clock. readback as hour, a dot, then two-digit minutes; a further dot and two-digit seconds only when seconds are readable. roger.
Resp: 11.06
